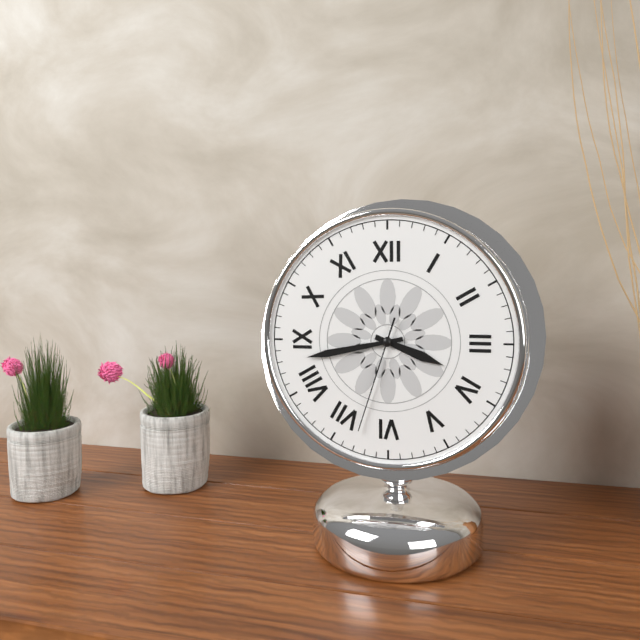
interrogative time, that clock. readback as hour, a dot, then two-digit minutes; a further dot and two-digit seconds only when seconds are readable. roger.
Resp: 3.43.33
